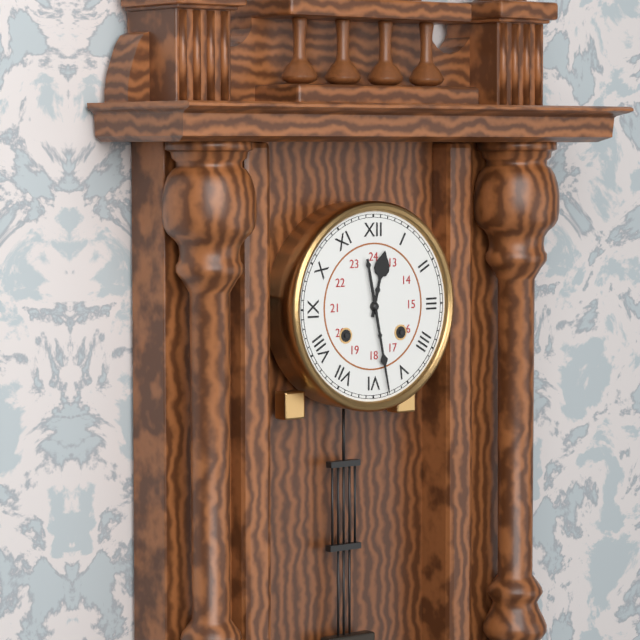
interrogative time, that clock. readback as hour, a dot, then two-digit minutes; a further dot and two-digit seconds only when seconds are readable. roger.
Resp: 12.28
